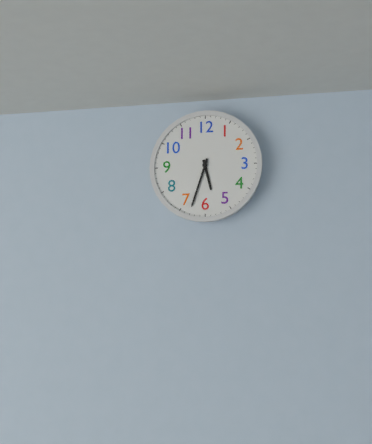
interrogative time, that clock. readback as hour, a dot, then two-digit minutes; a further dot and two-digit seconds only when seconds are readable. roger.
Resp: 5.33
